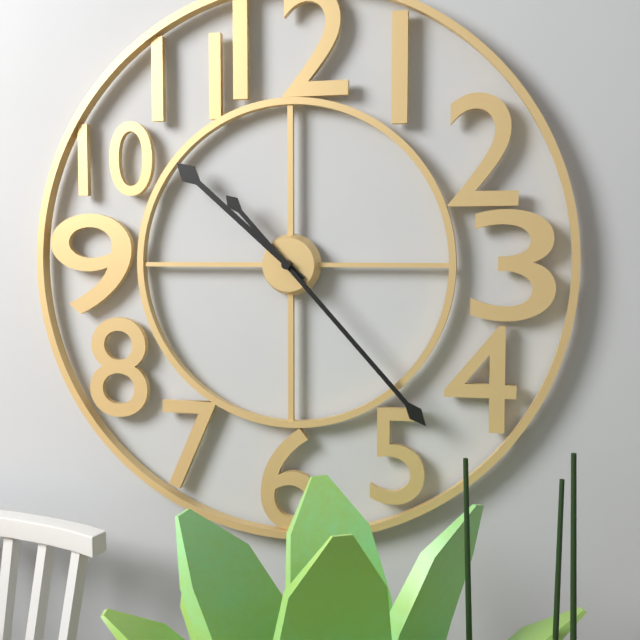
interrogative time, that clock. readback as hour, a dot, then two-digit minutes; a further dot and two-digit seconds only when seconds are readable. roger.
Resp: 10.23
